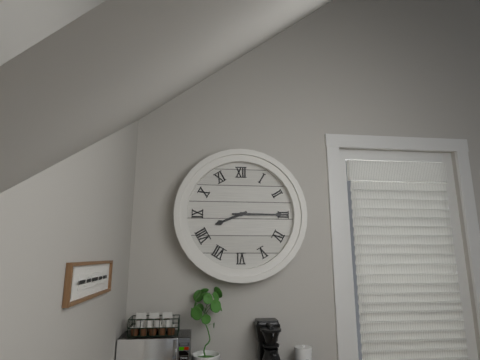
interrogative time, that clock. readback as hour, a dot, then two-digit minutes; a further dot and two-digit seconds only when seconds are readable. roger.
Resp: 8.15
